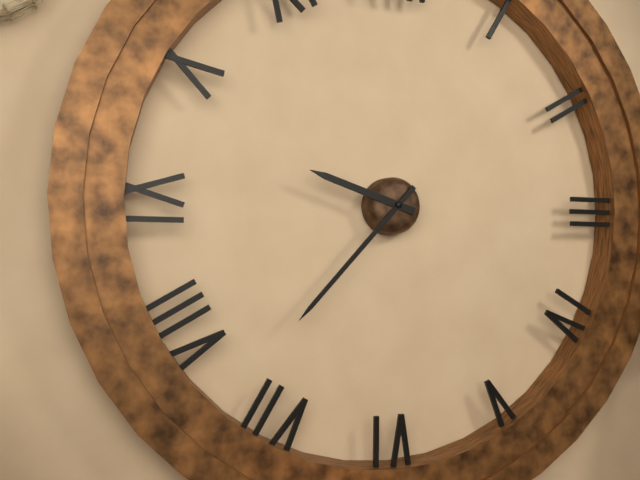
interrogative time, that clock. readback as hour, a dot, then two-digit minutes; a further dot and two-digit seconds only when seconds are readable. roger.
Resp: 9.37
